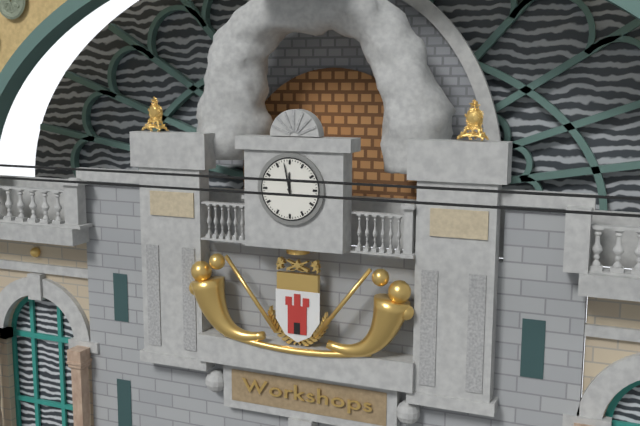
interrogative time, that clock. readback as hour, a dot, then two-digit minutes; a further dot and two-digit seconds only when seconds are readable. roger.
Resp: 11.58
